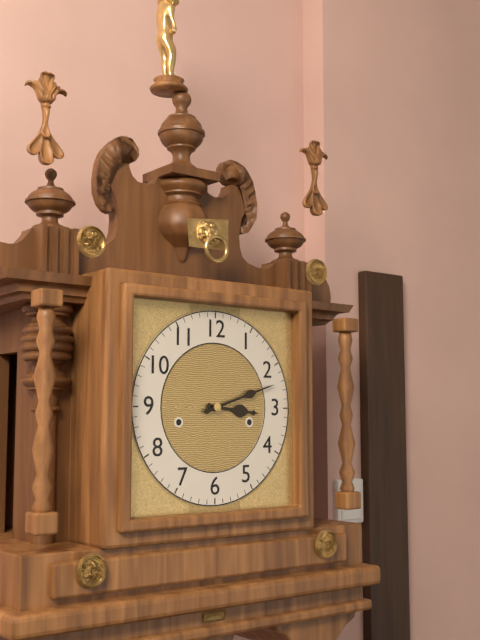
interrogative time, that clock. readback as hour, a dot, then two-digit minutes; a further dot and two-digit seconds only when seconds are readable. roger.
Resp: 3.12
